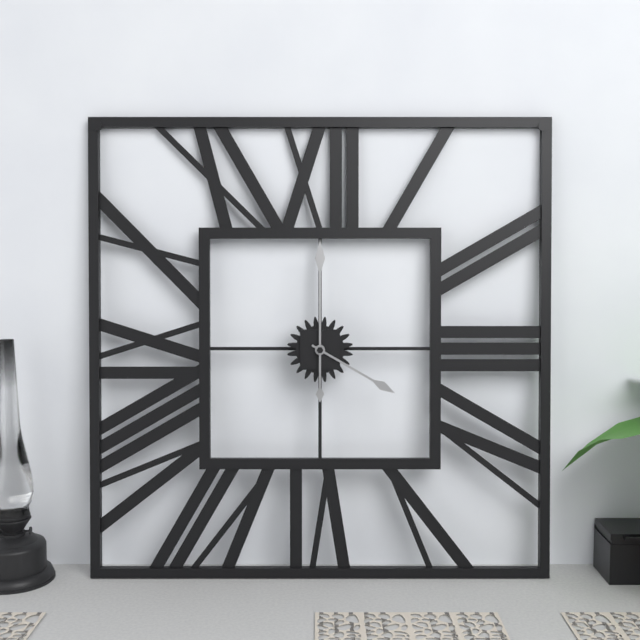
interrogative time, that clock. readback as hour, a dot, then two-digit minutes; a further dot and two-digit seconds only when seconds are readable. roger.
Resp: 4.00
